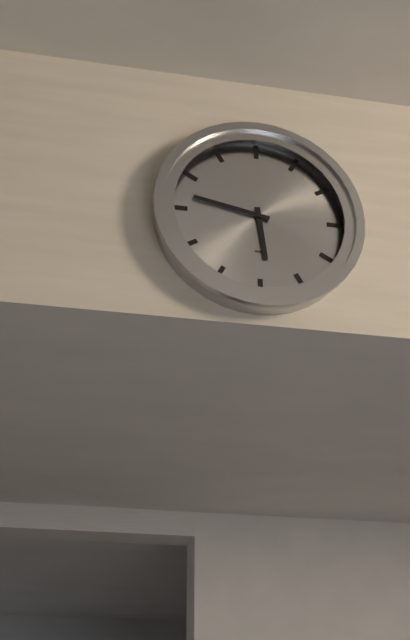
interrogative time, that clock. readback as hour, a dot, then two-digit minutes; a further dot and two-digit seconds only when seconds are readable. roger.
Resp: 5.47
